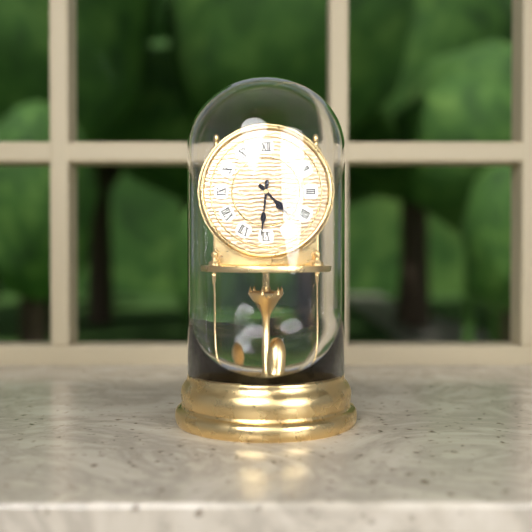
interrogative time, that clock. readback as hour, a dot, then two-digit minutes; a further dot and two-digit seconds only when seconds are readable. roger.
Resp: 4.31
